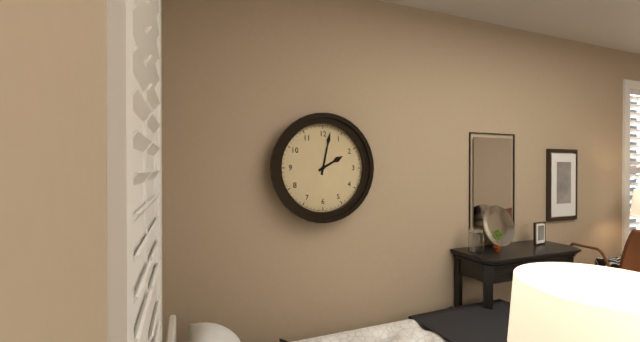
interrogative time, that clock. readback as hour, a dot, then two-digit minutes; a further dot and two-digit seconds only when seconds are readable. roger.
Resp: 2.02
